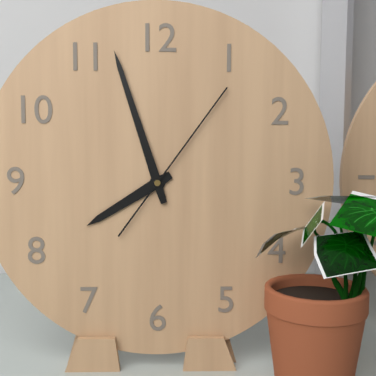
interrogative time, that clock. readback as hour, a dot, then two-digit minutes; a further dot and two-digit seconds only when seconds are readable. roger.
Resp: 7.57.06
